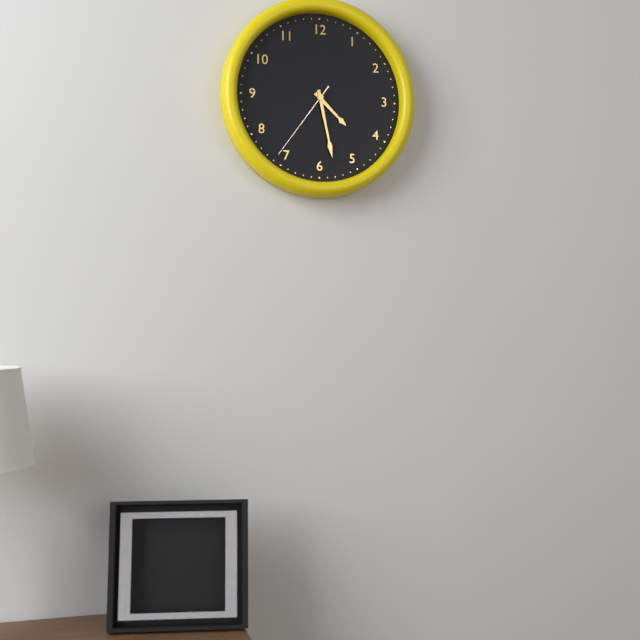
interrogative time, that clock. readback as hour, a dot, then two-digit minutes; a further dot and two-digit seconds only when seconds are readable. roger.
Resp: 4.28.36
